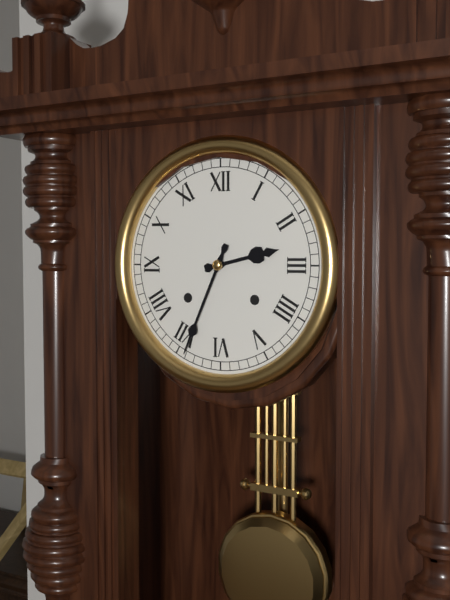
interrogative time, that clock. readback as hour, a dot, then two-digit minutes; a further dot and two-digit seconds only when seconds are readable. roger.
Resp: 2.34
